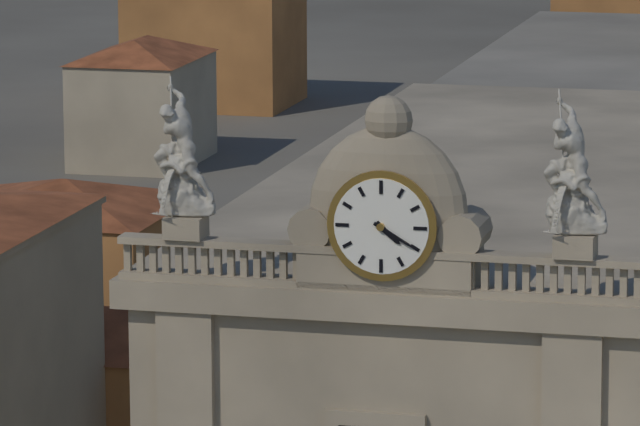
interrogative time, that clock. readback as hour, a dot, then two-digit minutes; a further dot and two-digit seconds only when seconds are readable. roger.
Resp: 4.20
